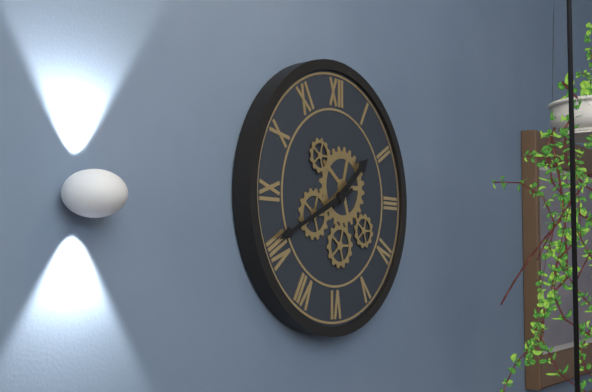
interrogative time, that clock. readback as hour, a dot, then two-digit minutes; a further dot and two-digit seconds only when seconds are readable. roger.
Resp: 1.41
